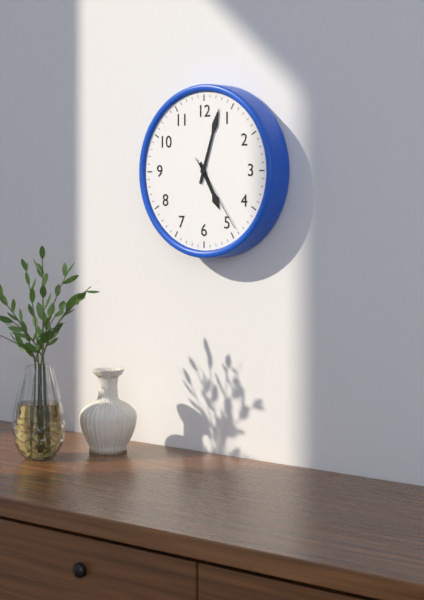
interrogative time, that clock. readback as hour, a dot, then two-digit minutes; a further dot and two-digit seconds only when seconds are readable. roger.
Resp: 5.03.24
